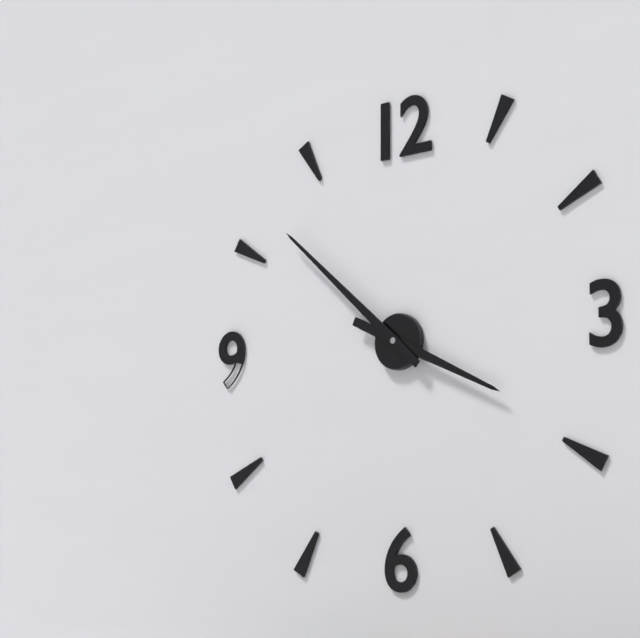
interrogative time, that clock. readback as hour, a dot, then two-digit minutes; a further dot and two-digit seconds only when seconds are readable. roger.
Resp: 3.52
